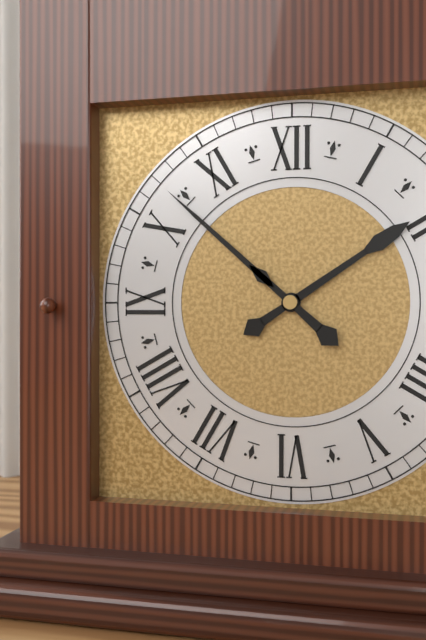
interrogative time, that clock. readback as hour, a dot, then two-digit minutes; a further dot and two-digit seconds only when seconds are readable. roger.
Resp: 1.52
